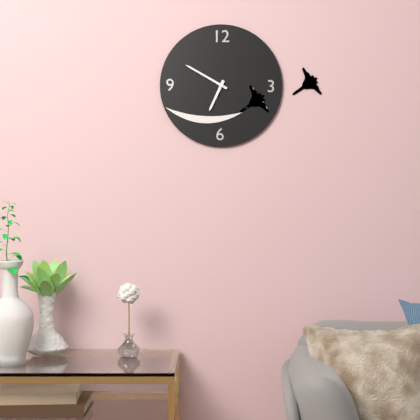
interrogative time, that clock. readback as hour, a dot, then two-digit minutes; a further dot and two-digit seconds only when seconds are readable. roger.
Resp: 6.50
